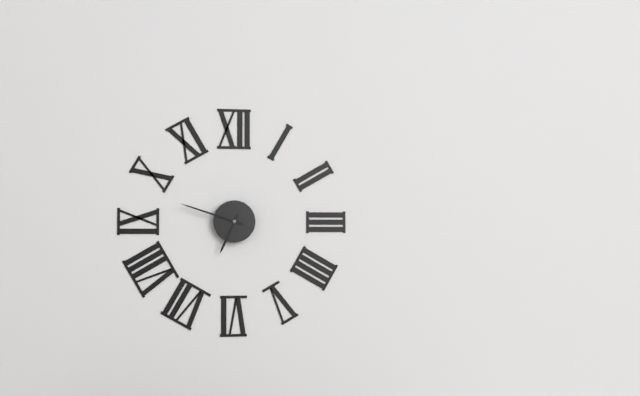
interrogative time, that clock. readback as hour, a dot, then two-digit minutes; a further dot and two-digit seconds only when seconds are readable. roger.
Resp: 6.48
